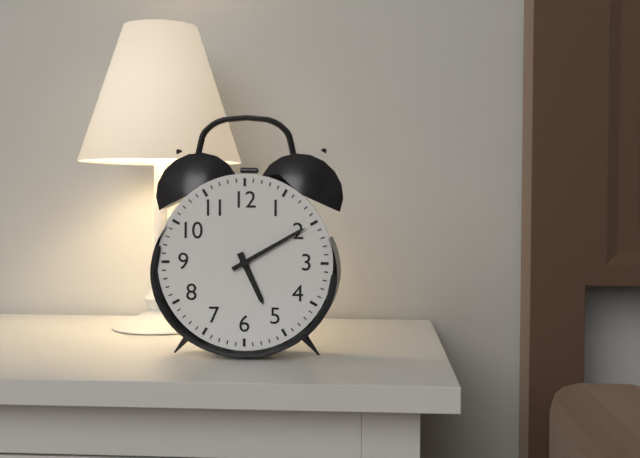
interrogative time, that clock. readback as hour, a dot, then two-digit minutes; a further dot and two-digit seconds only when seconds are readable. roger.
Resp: 5.10
